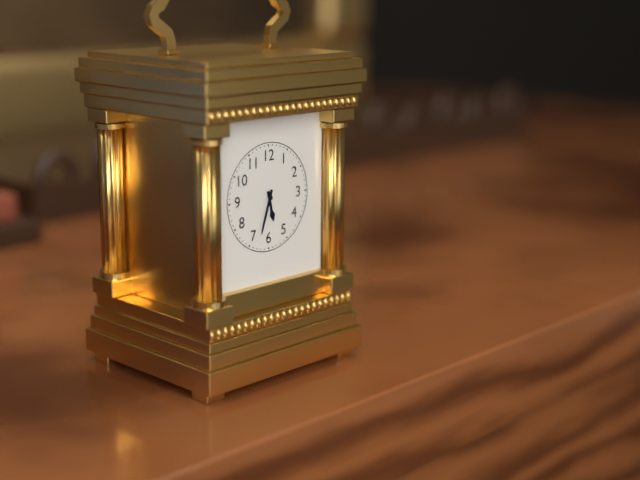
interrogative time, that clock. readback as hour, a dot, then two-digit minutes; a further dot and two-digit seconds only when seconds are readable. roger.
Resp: 5.33
